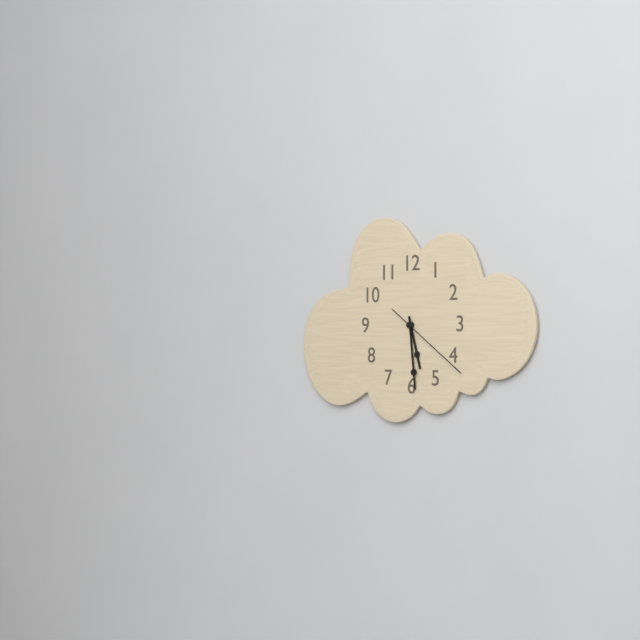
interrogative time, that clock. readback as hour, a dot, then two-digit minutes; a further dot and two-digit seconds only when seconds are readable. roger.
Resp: 5.29.21
